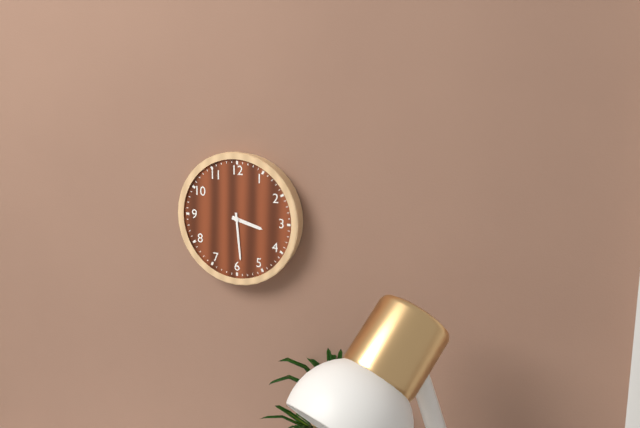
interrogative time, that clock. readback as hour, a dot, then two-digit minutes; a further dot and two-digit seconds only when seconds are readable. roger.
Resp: 3.29
